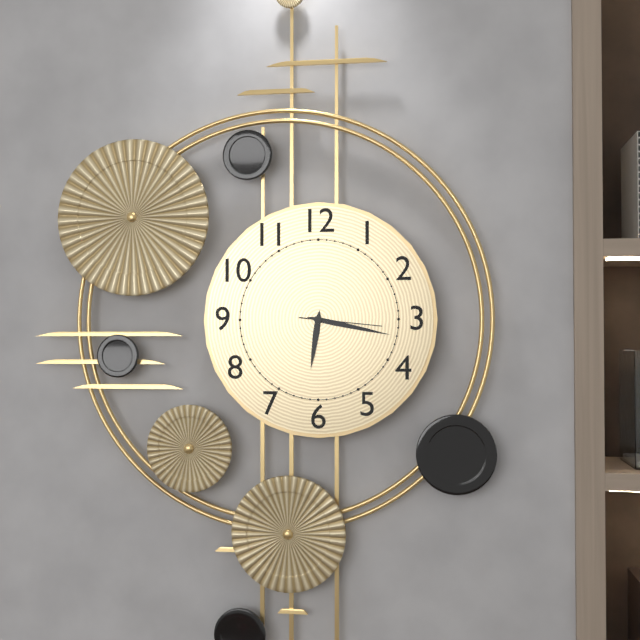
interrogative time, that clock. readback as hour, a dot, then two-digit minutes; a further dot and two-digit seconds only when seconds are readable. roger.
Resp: 6.17.16
